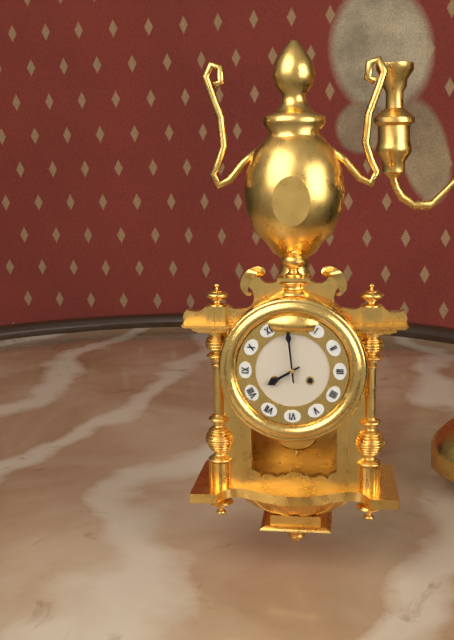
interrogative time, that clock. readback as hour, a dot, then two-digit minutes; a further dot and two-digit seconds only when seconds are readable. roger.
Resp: 7.59
